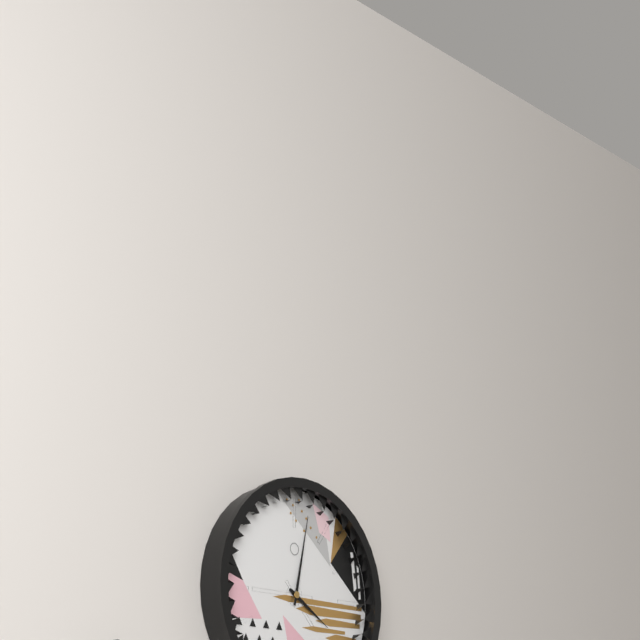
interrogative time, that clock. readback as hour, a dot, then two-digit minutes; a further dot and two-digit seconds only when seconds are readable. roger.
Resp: 4.02
